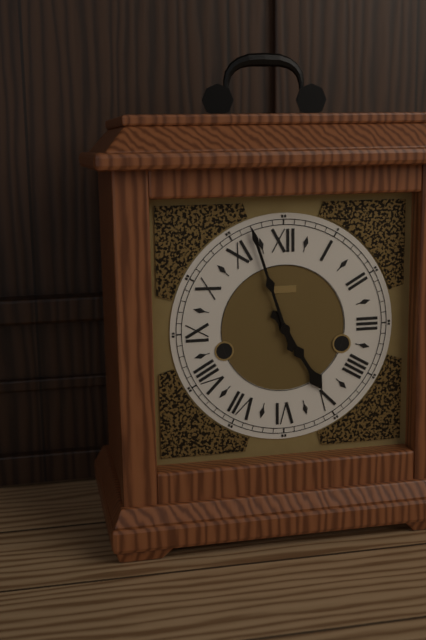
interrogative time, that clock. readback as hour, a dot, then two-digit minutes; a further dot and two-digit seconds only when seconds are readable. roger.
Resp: 4.57
